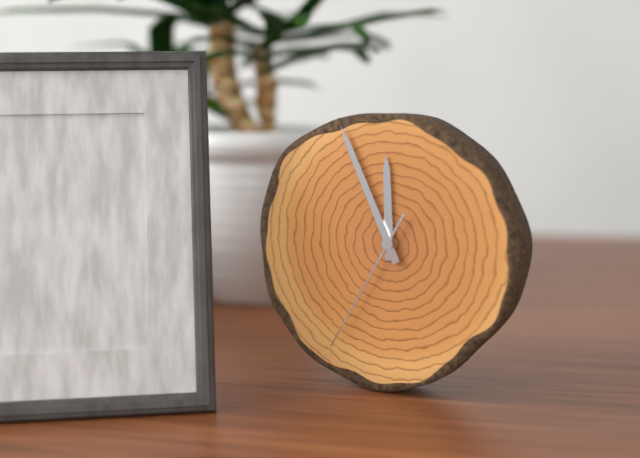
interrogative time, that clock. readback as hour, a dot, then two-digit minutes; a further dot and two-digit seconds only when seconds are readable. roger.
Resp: 11.56.35
